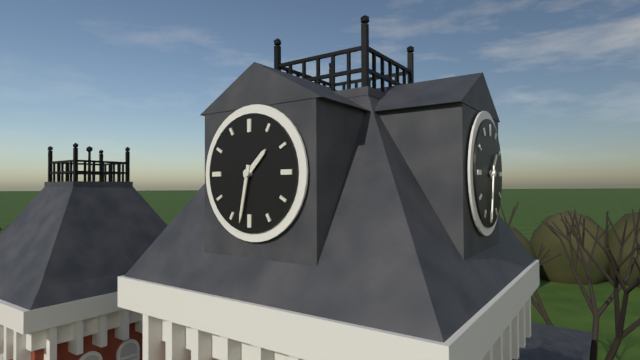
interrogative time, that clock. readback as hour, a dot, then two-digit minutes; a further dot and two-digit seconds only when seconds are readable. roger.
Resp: 1.32
